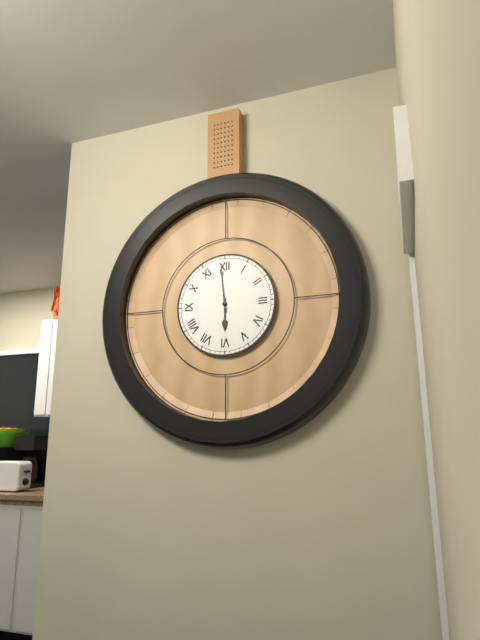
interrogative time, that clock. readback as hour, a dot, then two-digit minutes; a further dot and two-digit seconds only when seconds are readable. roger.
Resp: 5.59
